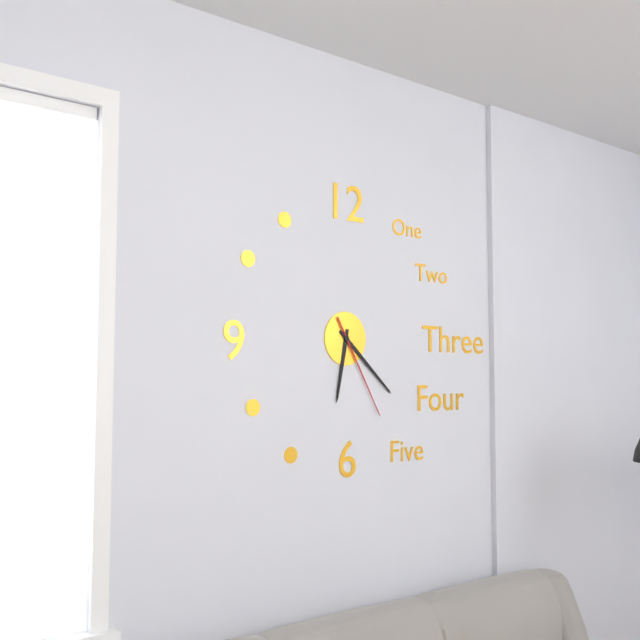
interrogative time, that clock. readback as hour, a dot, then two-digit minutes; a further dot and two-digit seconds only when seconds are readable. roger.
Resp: 6.22.25
